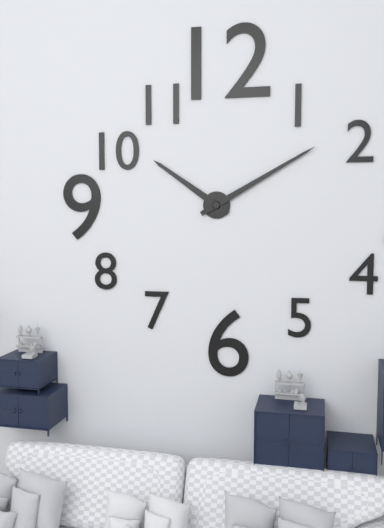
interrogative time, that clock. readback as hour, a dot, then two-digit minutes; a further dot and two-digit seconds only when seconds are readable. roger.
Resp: 10.10
